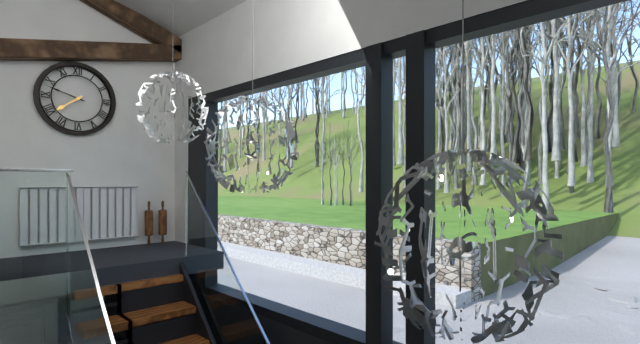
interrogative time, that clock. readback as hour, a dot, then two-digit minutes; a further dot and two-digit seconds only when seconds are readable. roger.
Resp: 7.48
